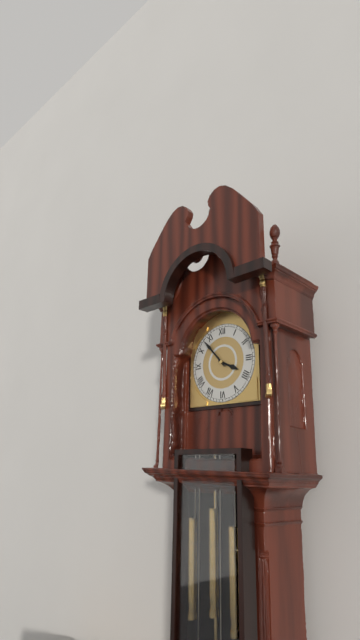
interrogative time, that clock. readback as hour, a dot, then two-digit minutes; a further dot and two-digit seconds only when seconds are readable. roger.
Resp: 3.53
